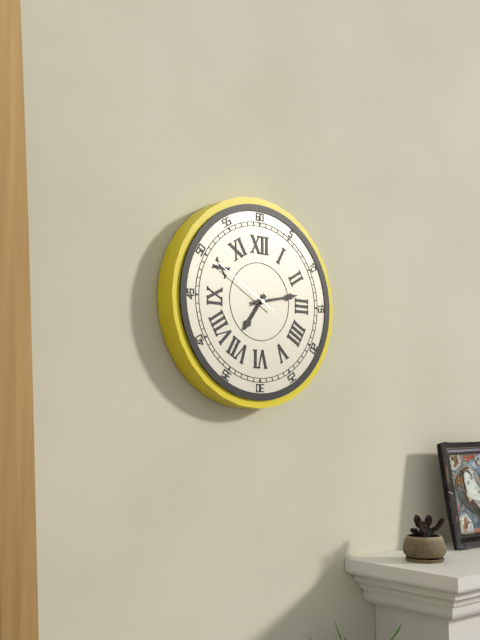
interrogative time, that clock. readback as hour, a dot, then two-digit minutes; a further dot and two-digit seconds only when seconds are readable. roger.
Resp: 7.13.50
